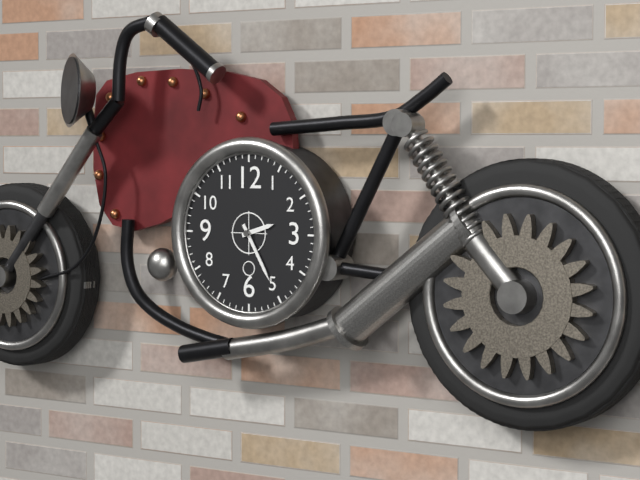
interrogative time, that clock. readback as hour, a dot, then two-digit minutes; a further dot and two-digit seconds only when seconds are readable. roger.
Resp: 2.25
